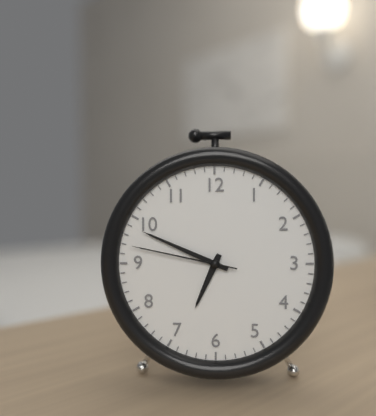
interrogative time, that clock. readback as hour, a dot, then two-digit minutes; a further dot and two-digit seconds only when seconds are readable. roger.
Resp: 6.49.47
